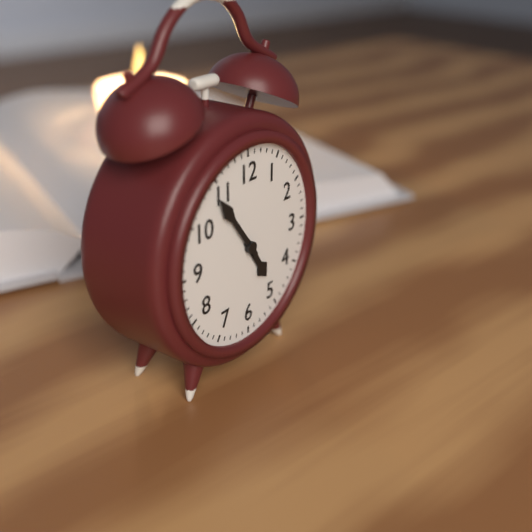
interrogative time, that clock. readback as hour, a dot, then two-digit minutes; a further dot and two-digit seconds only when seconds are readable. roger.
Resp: 4.54
